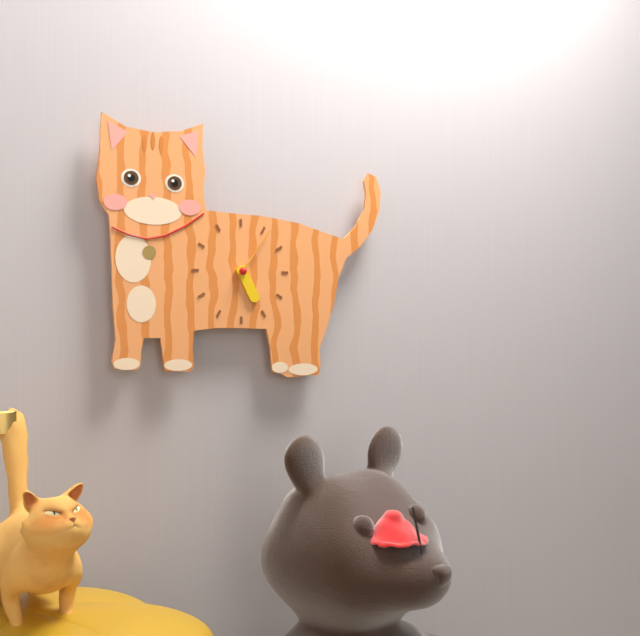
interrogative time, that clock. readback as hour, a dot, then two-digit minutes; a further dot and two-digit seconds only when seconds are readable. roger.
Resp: 5.06
